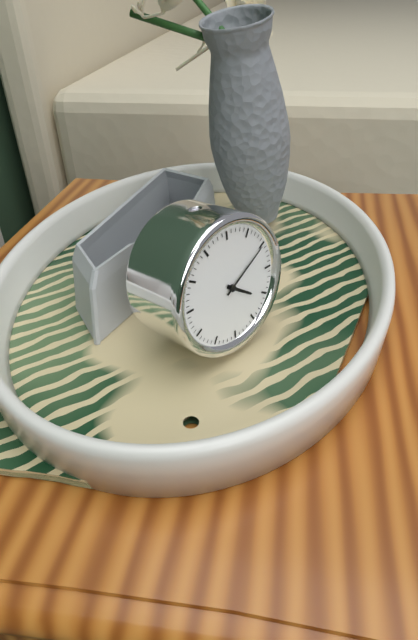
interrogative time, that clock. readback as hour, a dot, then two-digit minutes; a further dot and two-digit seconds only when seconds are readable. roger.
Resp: 4.10
